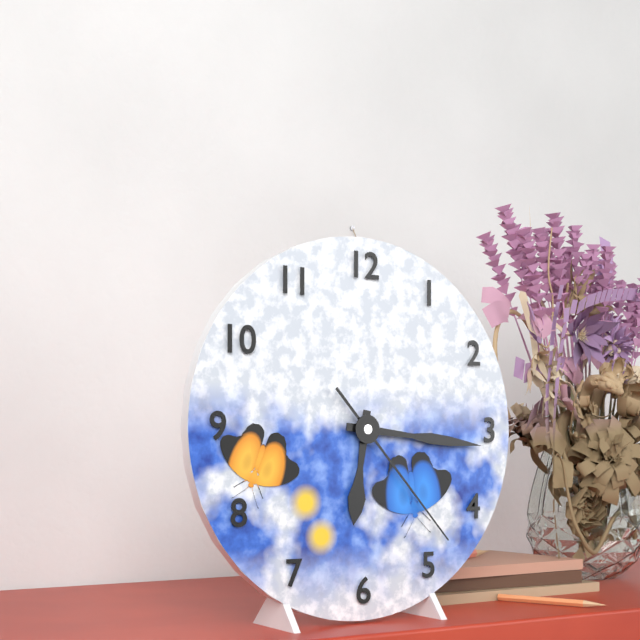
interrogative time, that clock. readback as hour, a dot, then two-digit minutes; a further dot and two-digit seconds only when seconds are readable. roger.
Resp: 6.16.23
